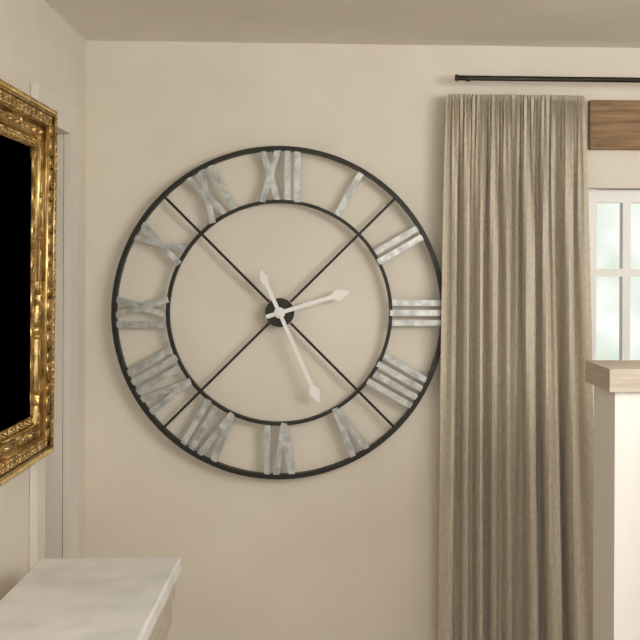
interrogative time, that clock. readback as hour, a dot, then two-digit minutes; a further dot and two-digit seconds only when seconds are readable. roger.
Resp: 2.26
